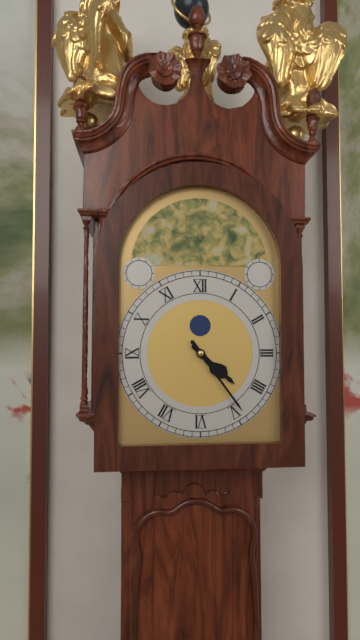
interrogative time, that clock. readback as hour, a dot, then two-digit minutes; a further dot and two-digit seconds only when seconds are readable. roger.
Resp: 4.24
